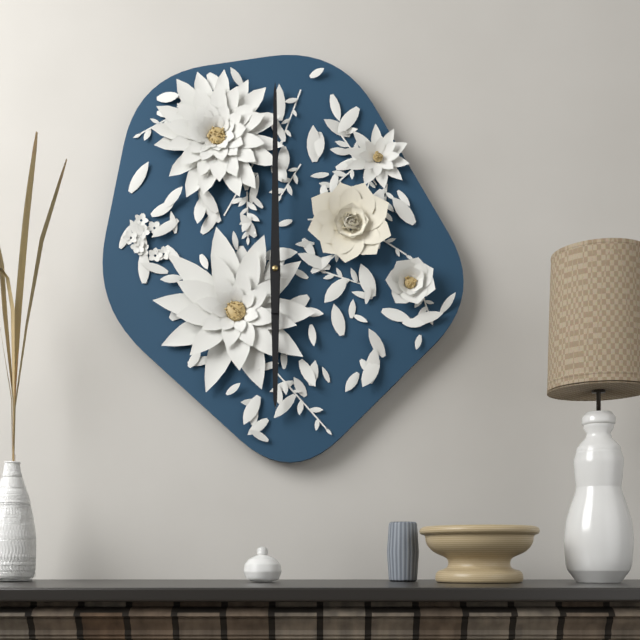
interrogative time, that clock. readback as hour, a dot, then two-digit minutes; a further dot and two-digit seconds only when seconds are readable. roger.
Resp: 6.00
